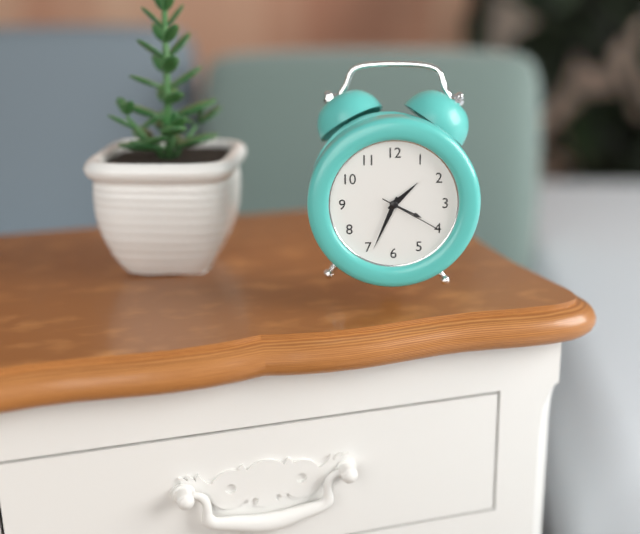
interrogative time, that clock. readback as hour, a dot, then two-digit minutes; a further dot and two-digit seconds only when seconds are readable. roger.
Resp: 1.34.20
